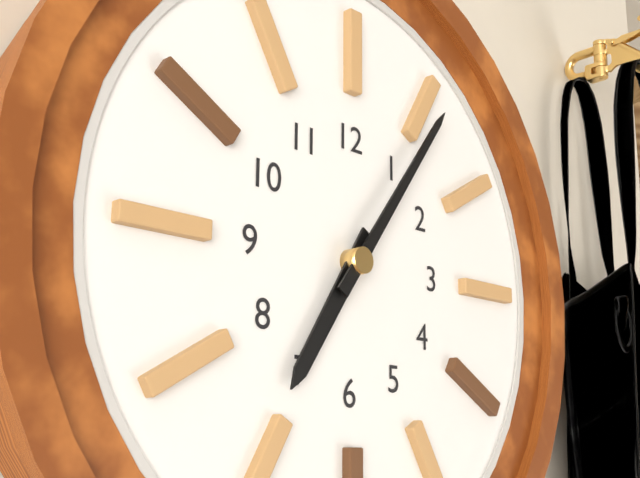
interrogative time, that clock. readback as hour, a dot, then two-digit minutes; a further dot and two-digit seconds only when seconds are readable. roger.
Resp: 7.06
